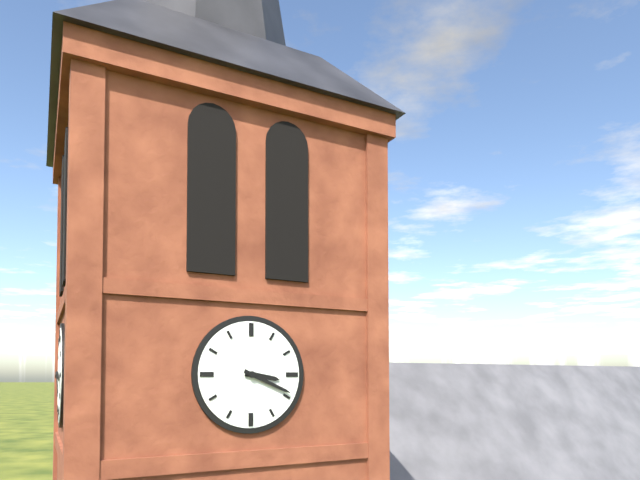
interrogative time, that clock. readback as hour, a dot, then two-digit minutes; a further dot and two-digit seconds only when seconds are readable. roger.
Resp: 3.19
